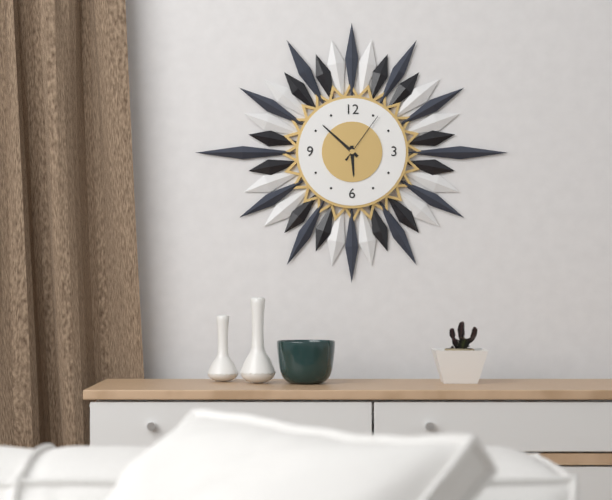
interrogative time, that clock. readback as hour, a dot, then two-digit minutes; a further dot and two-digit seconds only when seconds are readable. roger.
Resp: 5.52.06
